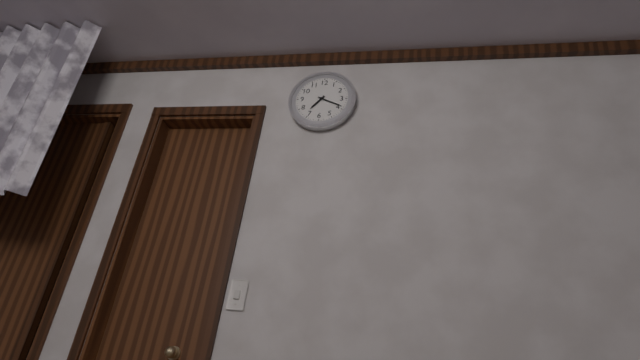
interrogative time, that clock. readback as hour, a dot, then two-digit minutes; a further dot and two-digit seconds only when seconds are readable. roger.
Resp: 7.19
